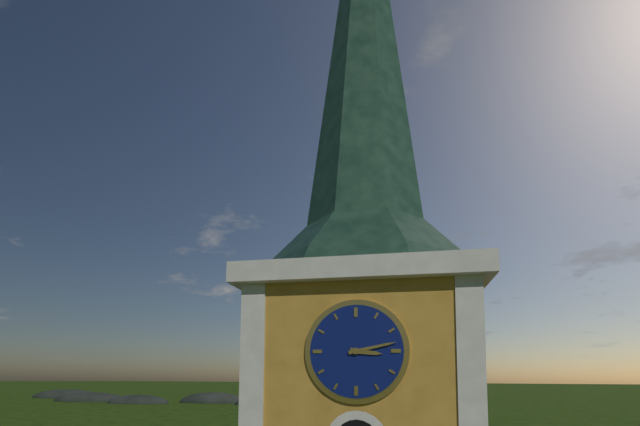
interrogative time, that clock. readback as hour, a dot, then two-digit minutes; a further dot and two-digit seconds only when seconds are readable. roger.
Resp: 3.13
